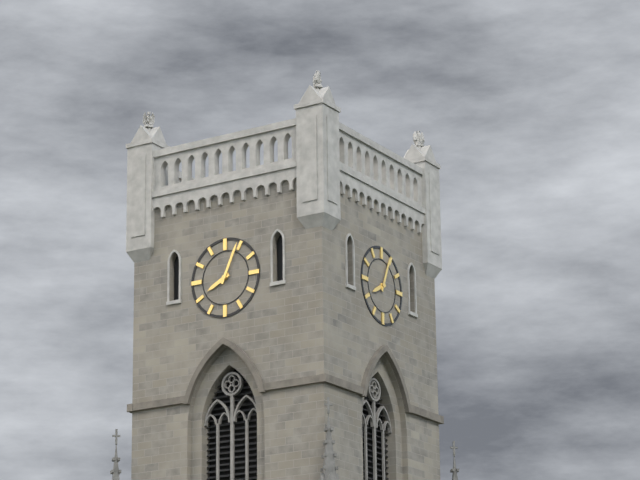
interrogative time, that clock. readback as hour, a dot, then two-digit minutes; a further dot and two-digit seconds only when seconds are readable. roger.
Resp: 8.04
